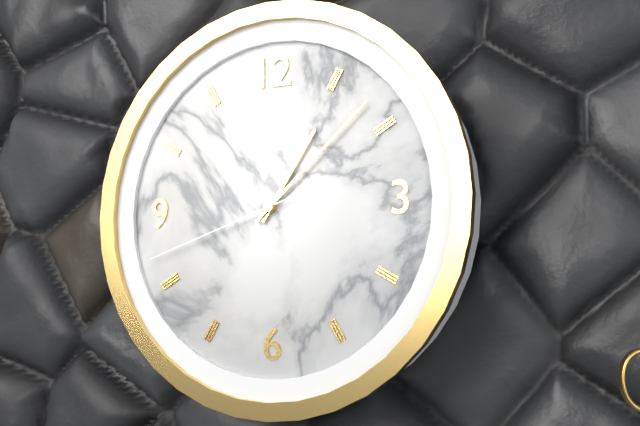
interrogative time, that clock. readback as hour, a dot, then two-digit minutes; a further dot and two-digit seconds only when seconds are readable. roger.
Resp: 1.08.42
